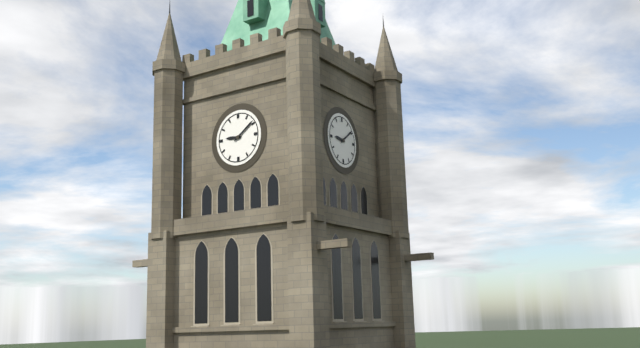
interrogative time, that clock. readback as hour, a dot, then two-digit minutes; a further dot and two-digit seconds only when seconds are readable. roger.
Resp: 9.09
